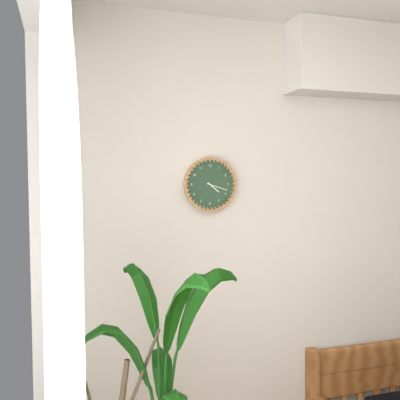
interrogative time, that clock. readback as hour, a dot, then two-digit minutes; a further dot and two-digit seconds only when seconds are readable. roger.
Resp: 4.18
